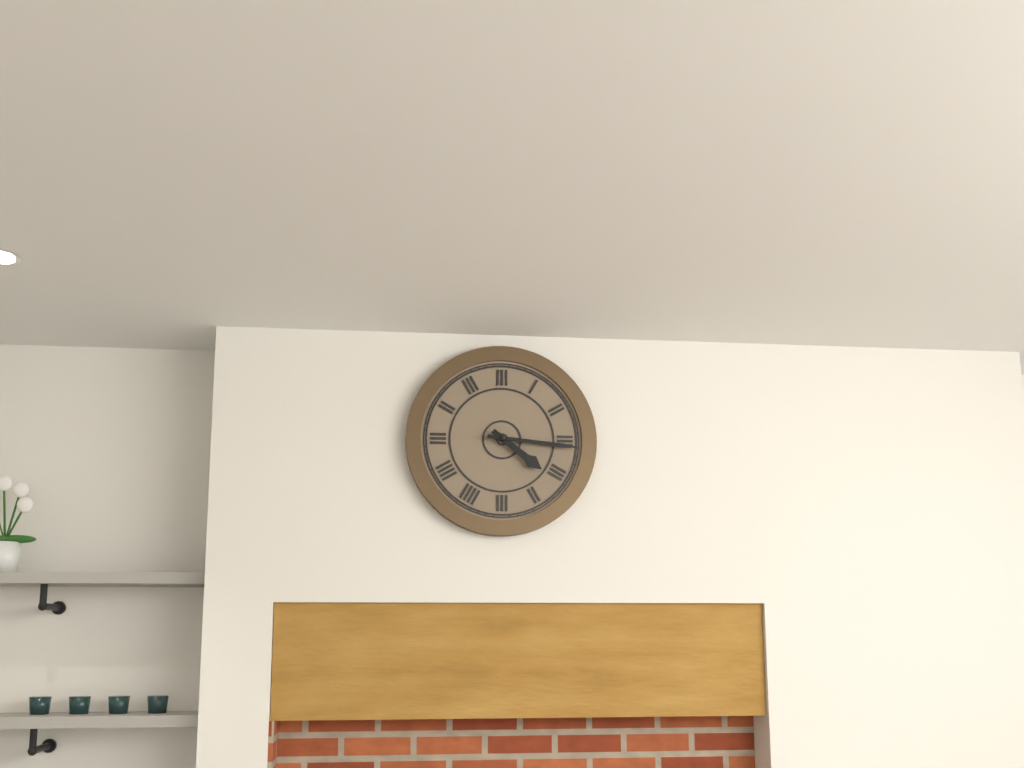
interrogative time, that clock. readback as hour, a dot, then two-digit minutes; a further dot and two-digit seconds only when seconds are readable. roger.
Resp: 4.16
